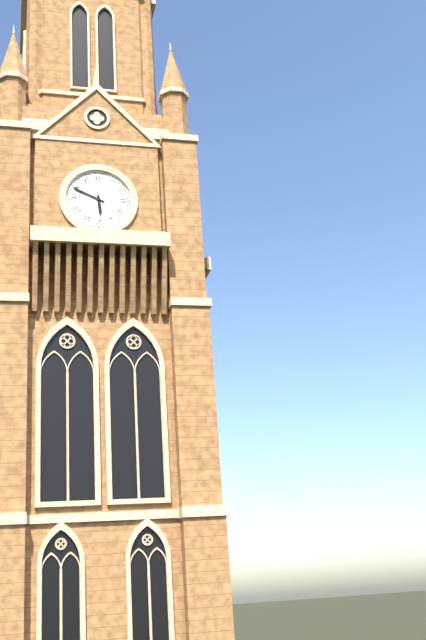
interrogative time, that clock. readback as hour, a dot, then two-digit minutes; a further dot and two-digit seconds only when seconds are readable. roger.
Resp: 5.49
